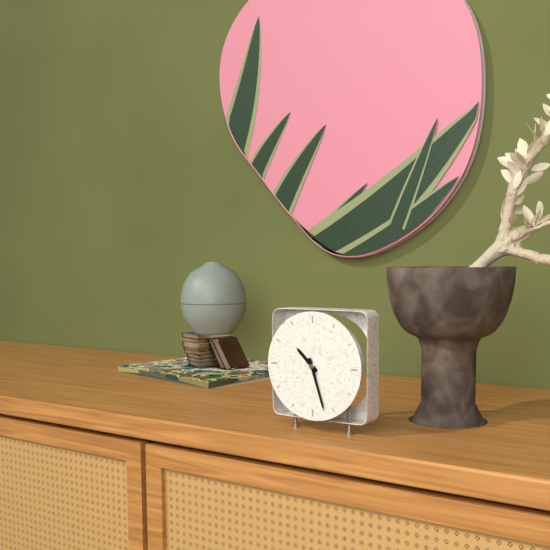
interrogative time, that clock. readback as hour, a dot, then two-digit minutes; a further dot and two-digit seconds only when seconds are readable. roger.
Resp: 10.27
